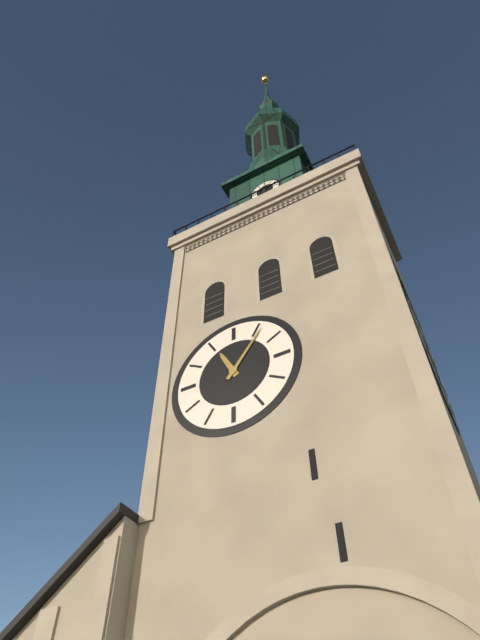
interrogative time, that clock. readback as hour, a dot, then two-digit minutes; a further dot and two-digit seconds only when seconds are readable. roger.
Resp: 11.06
